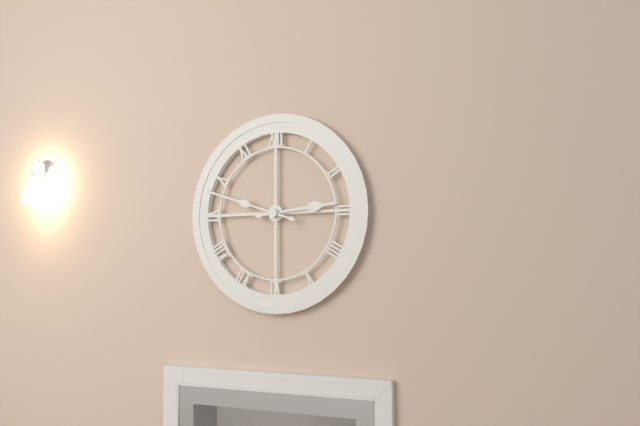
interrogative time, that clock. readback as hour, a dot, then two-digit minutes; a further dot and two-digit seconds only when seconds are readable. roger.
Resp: 2.48
